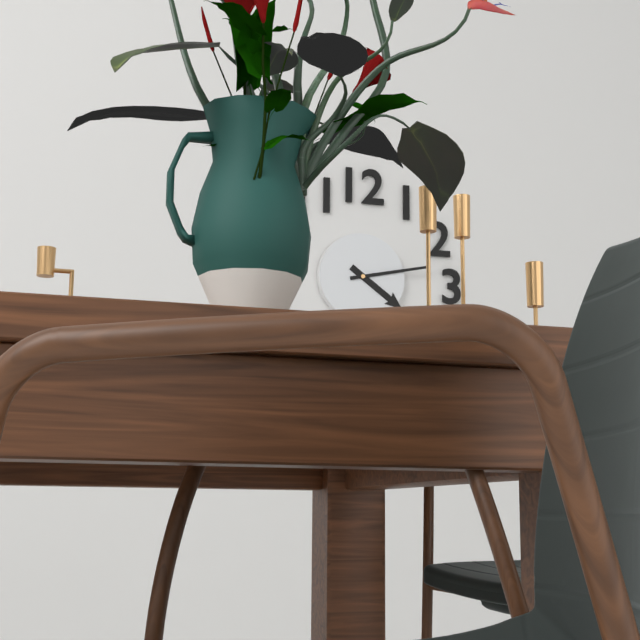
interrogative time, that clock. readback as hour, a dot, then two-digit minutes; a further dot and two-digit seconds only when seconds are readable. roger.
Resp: 4.13
